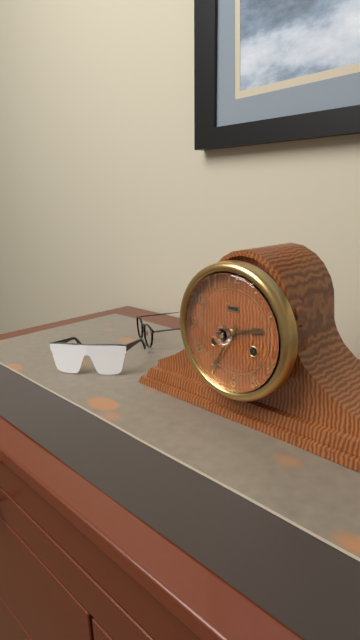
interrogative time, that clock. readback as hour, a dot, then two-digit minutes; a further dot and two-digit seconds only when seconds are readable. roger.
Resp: 2.35
